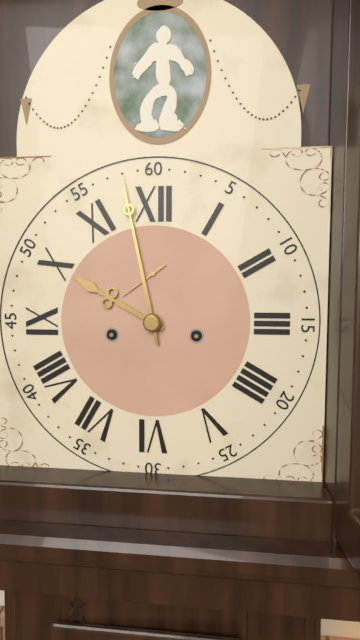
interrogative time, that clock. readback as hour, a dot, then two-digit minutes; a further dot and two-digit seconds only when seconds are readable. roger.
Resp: 9.58.39
